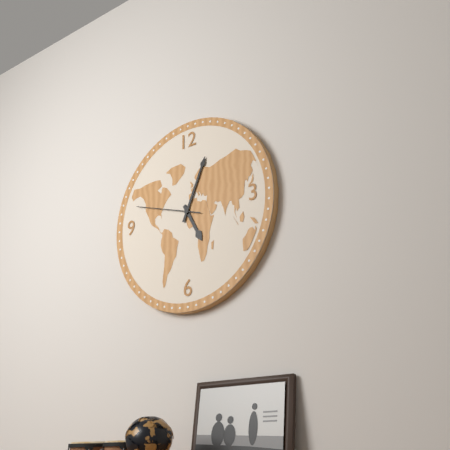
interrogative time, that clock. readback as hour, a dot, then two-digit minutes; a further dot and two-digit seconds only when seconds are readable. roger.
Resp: 5.04.48
